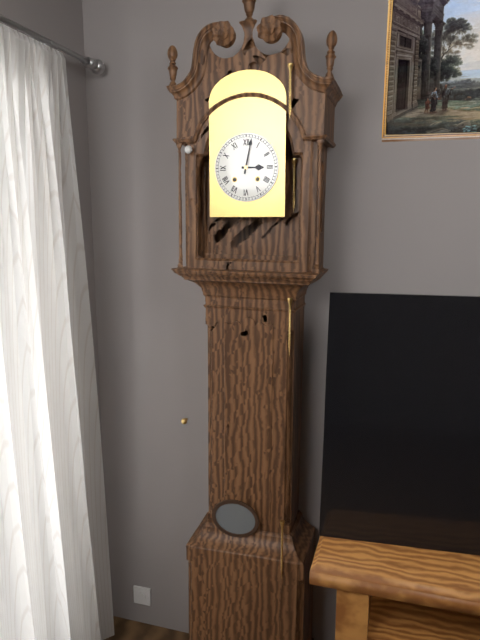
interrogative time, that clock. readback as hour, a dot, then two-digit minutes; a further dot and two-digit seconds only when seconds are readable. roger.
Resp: 3.02
